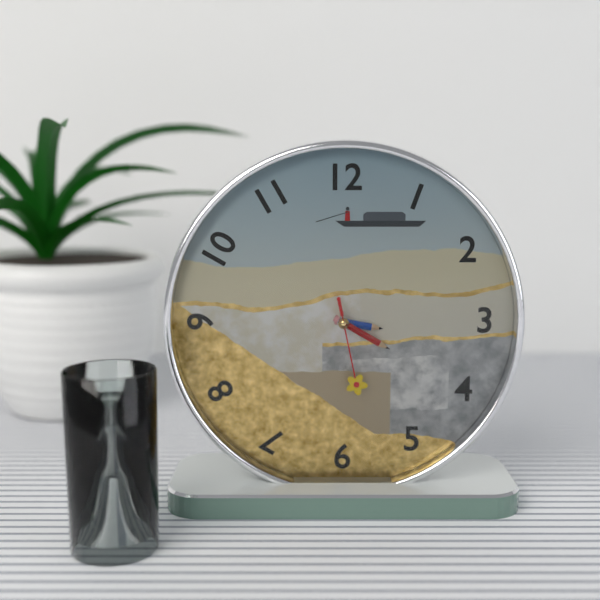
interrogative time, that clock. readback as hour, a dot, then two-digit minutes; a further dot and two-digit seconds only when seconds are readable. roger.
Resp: 3.20.28
